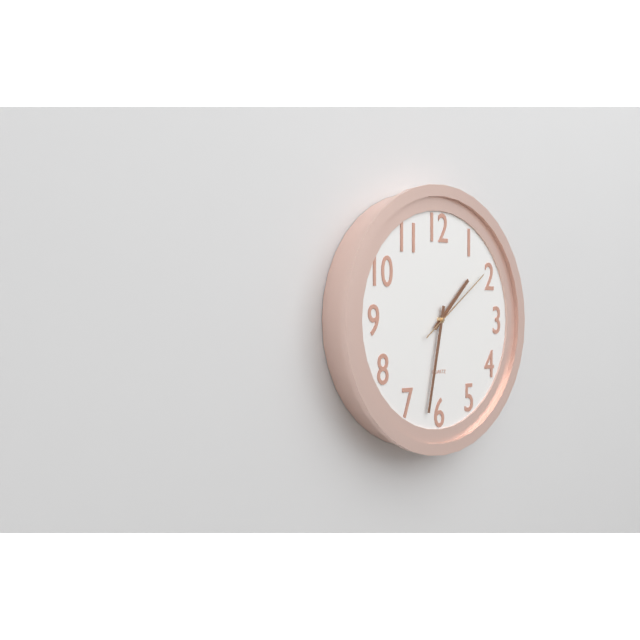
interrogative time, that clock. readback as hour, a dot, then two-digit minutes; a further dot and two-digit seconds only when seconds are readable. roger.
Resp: 1.32.09
